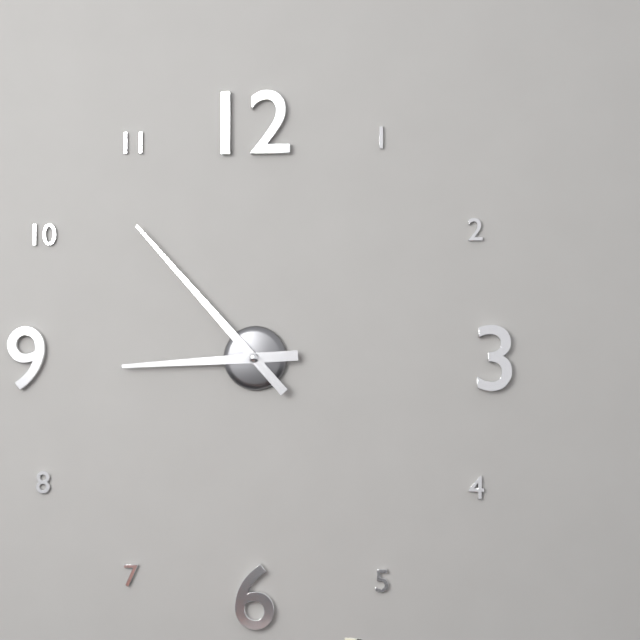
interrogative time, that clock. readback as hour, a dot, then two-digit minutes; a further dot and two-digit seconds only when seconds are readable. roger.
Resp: 8.53
